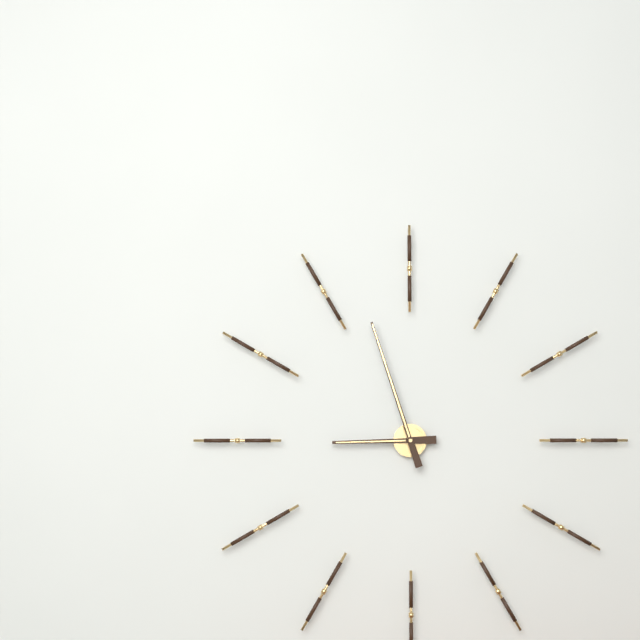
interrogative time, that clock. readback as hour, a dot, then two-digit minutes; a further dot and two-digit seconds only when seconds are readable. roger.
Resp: 8.57
